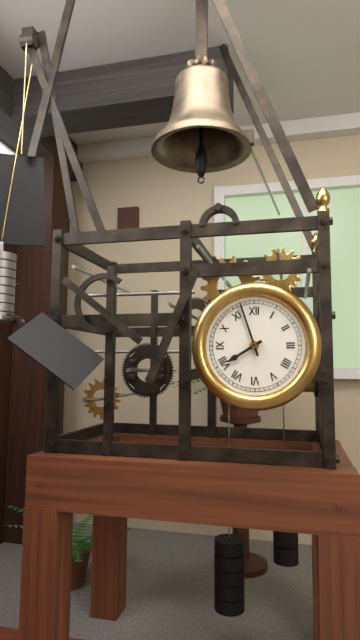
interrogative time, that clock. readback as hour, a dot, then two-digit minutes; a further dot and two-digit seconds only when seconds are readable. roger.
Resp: 7.57
